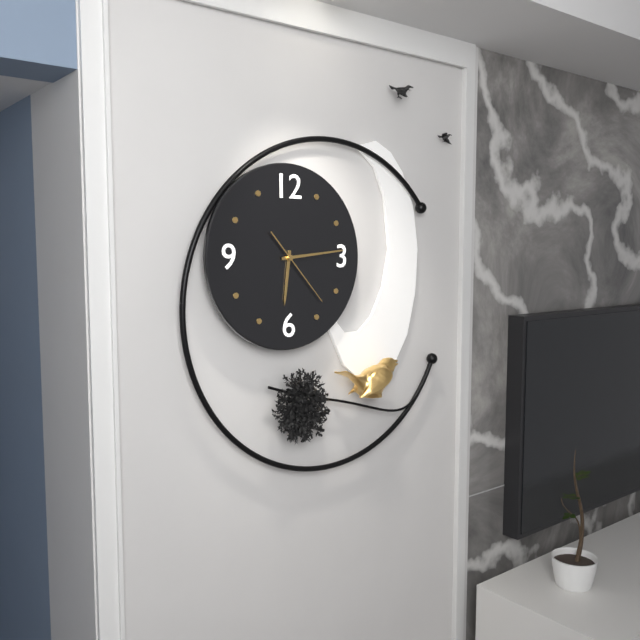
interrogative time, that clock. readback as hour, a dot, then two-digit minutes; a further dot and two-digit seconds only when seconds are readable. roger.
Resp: 6.14.23
